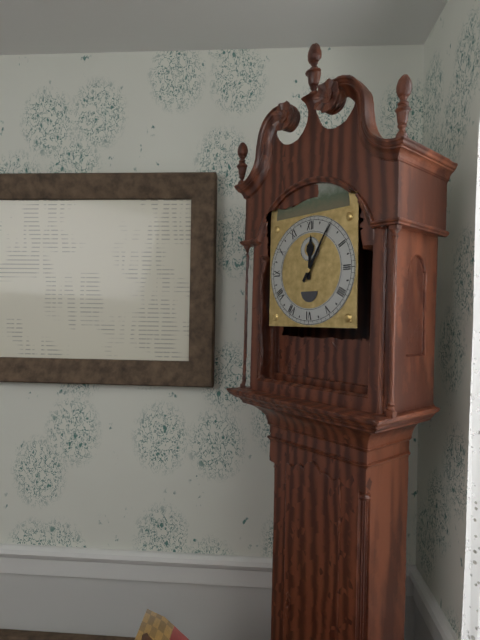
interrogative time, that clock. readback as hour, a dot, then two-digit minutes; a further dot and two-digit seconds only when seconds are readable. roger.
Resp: 12.05
